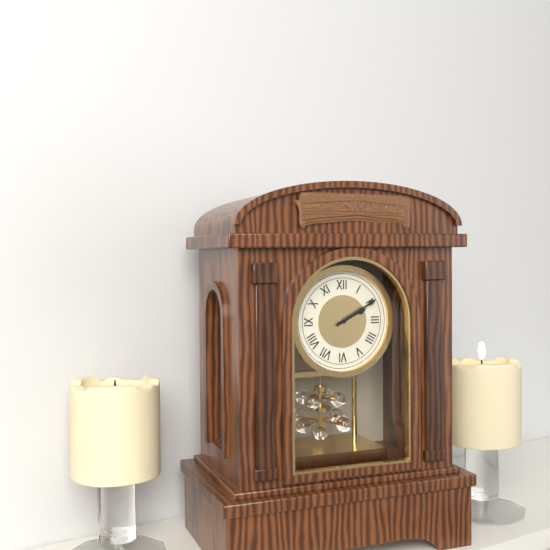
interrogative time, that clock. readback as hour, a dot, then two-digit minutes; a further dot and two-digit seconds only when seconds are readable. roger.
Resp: 2.10
